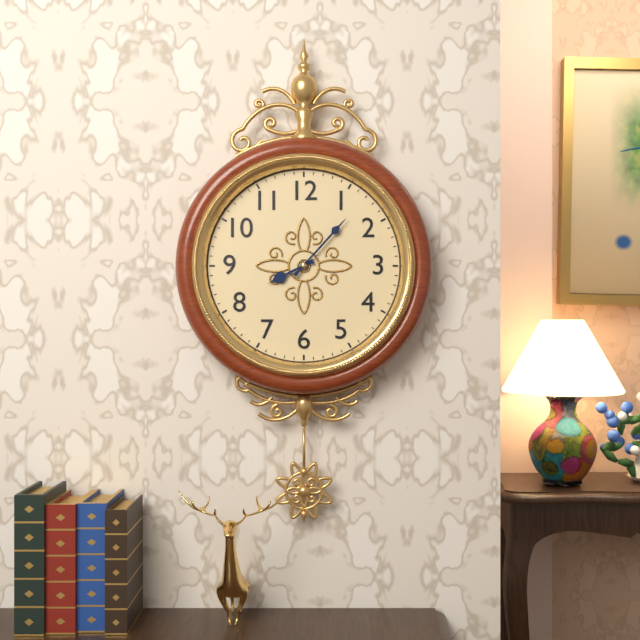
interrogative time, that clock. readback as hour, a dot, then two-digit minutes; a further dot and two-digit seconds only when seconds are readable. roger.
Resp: 8.07
